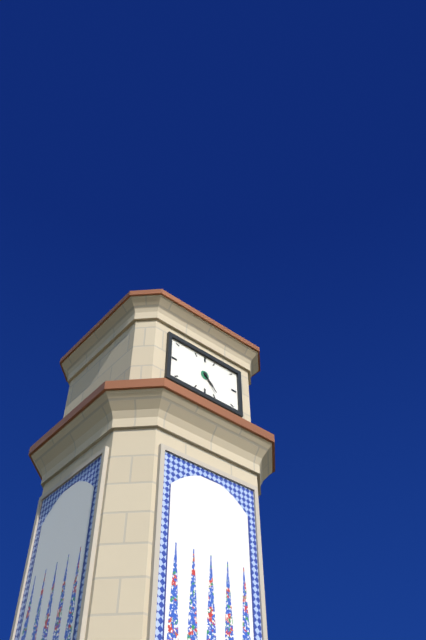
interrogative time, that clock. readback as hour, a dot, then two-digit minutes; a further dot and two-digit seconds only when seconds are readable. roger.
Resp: 4.23
